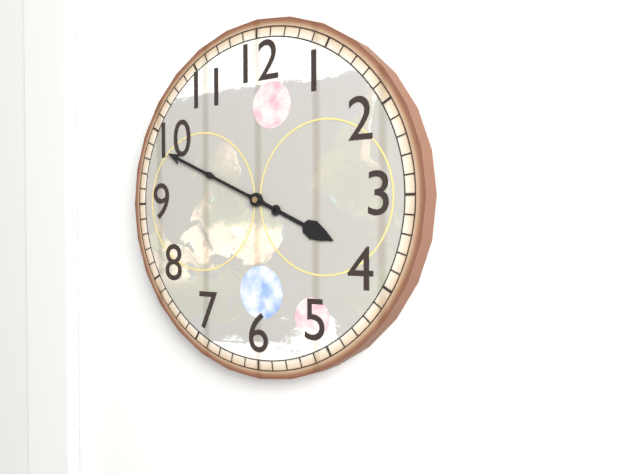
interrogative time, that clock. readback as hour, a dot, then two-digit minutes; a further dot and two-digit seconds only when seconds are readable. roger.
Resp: 3.49
